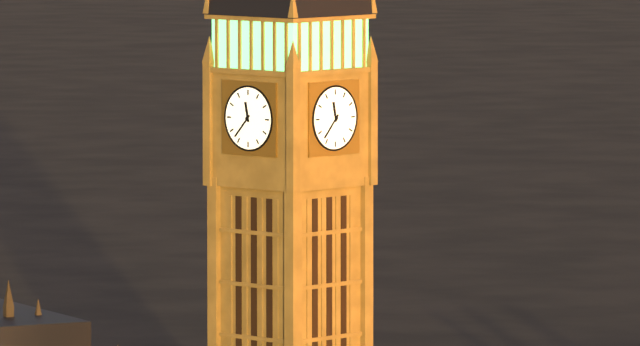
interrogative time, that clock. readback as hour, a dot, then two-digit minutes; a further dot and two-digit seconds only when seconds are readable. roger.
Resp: 11.37
